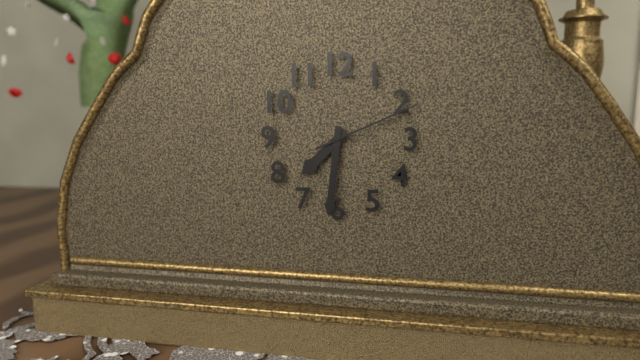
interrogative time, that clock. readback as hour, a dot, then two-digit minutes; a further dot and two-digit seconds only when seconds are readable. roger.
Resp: 7.31.11
